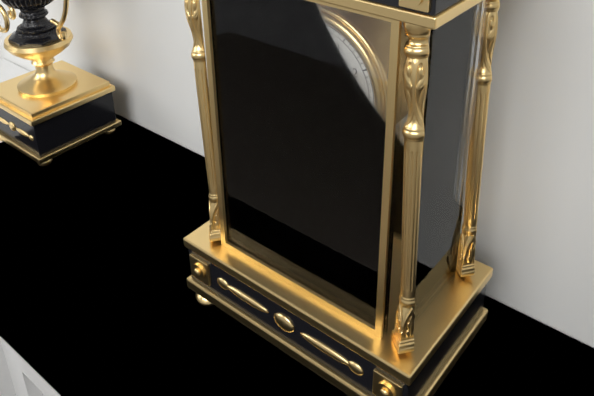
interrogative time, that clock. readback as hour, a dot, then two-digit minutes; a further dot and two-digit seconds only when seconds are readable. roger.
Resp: 6.52
